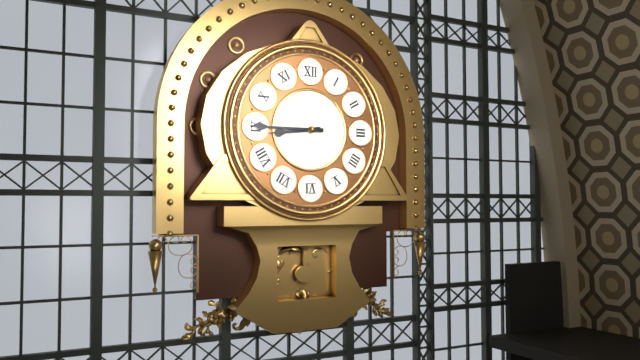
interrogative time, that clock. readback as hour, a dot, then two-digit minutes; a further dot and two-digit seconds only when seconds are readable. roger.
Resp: 8.45
